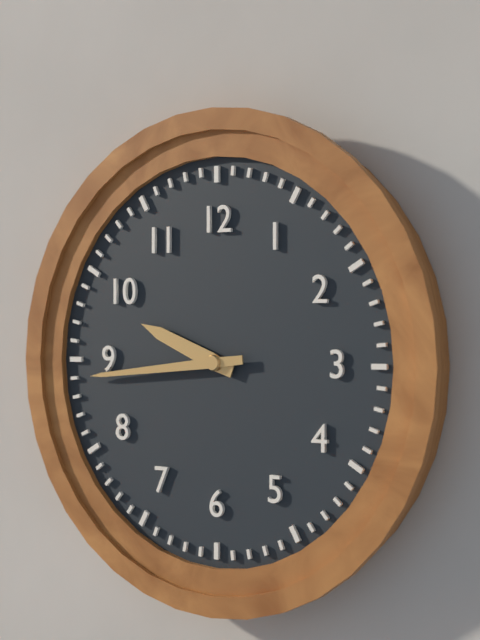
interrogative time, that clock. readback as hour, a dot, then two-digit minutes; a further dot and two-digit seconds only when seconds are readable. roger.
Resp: 9.44
